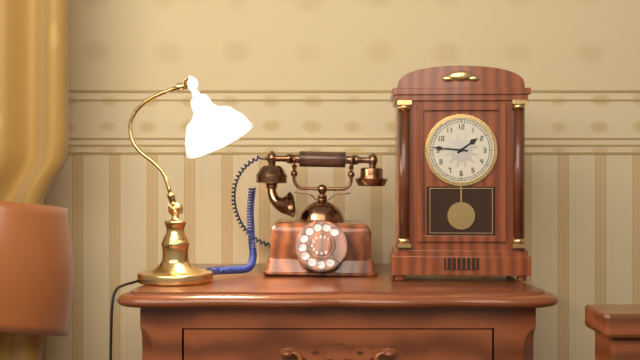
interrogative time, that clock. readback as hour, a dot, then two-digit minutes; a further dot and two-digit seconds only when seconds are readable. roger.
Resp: 1.46
